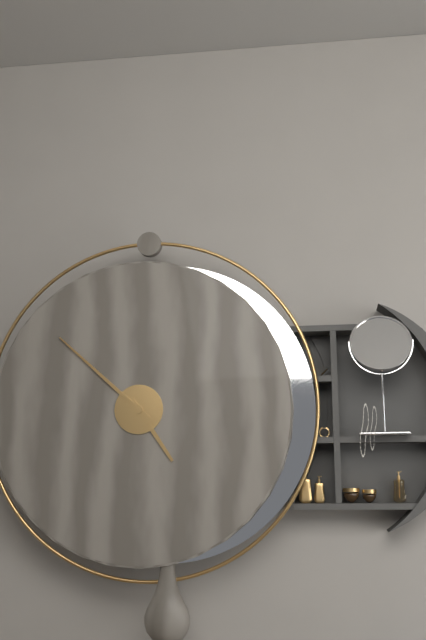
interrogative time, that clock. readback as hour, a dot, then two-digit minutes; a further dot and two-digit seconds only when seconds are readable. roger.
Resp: 4.52
